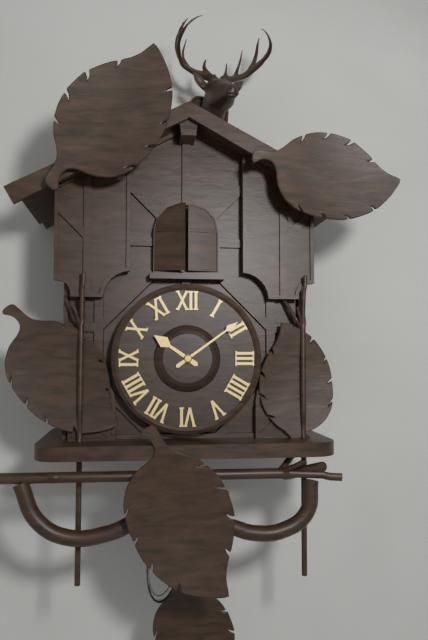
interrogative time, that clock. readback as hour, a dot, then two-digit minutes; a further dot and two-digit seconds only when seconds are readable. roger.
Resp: 10.09
